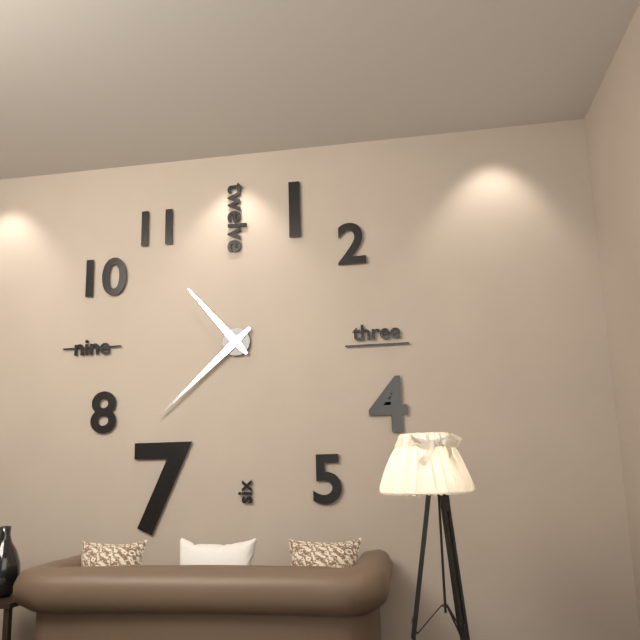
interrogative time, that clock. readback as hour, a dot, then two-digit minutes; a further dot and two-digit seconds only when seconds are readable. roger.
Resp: 10.38
